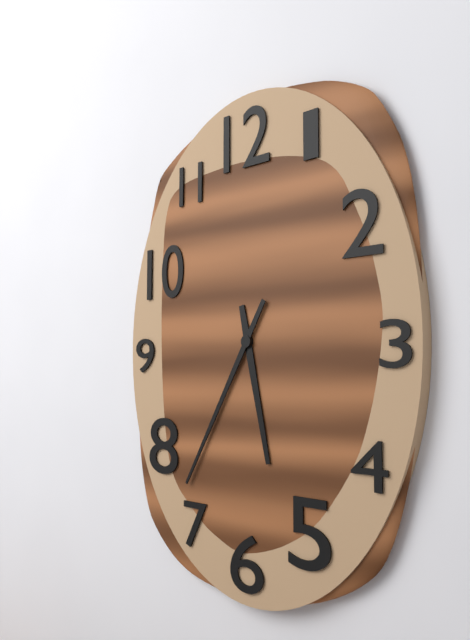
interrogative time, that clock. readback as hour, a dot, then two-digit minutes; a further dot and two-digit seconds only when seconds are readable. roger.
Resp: 5.35
